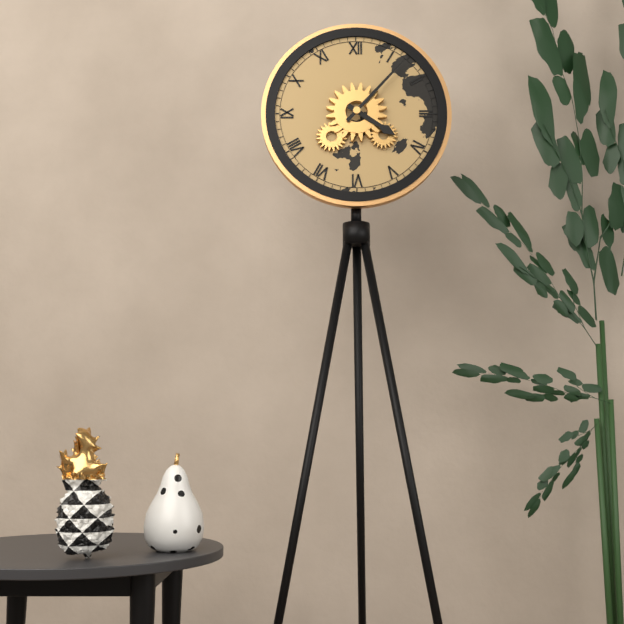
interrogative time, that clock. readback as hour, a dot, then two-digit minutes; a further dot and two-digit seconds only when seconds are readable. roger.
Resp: 4.07
